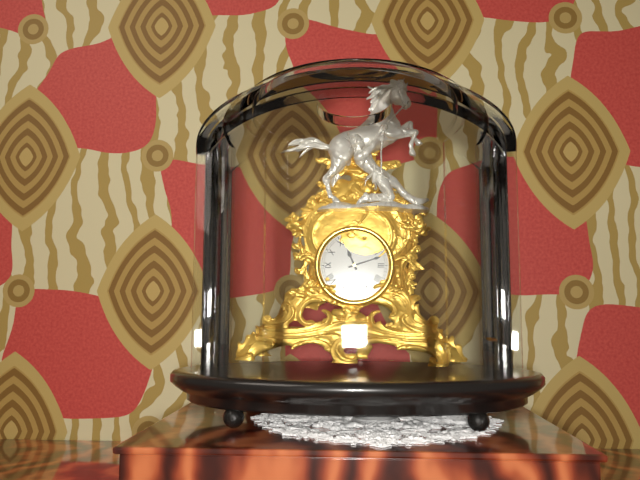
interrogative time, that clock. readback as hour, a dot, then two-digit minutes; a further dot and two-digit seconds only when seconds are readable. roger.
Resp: 11.12
